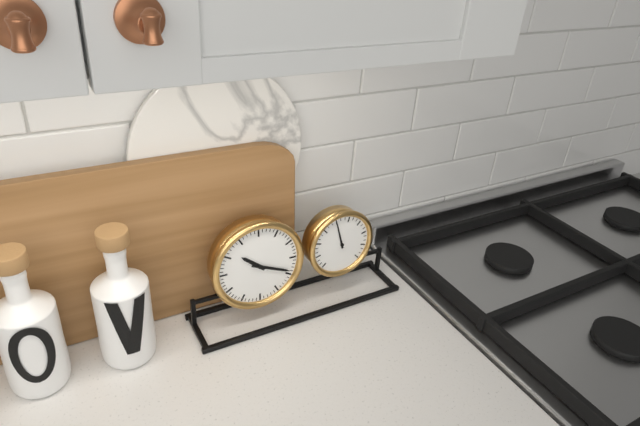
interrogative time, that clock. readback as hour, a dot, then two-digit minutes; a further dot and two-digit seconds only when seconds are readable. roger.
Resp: 10.19
